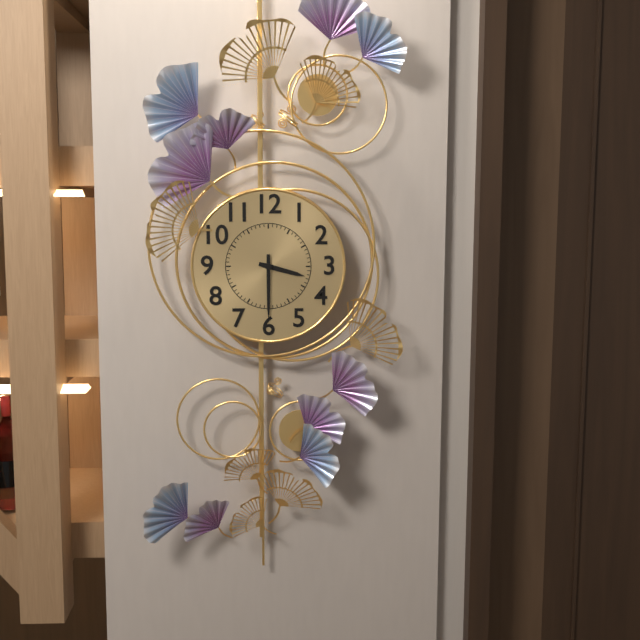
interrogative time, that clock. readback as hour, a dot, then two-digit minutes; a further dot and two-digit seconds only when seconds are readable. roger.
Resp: 3.30
